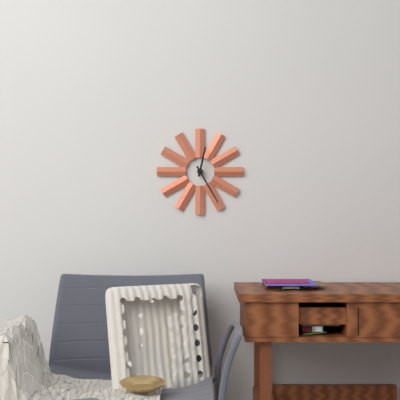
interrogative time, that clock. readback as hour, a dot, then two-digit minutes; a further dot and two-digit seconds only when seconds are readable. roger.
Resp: 12.25
